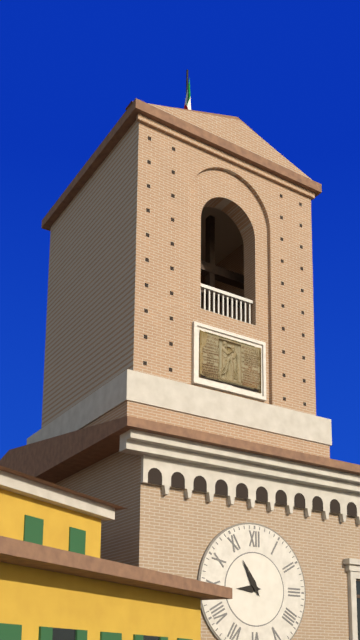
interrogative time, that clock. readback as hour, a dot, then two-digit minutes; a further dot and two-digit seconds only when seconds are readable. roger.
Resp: 8.55
